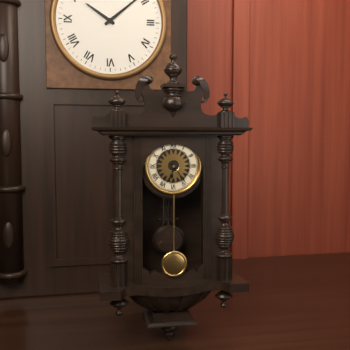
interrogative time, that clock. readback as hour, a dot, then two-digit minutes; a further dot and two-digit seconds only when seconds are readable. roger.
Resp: 6.24
